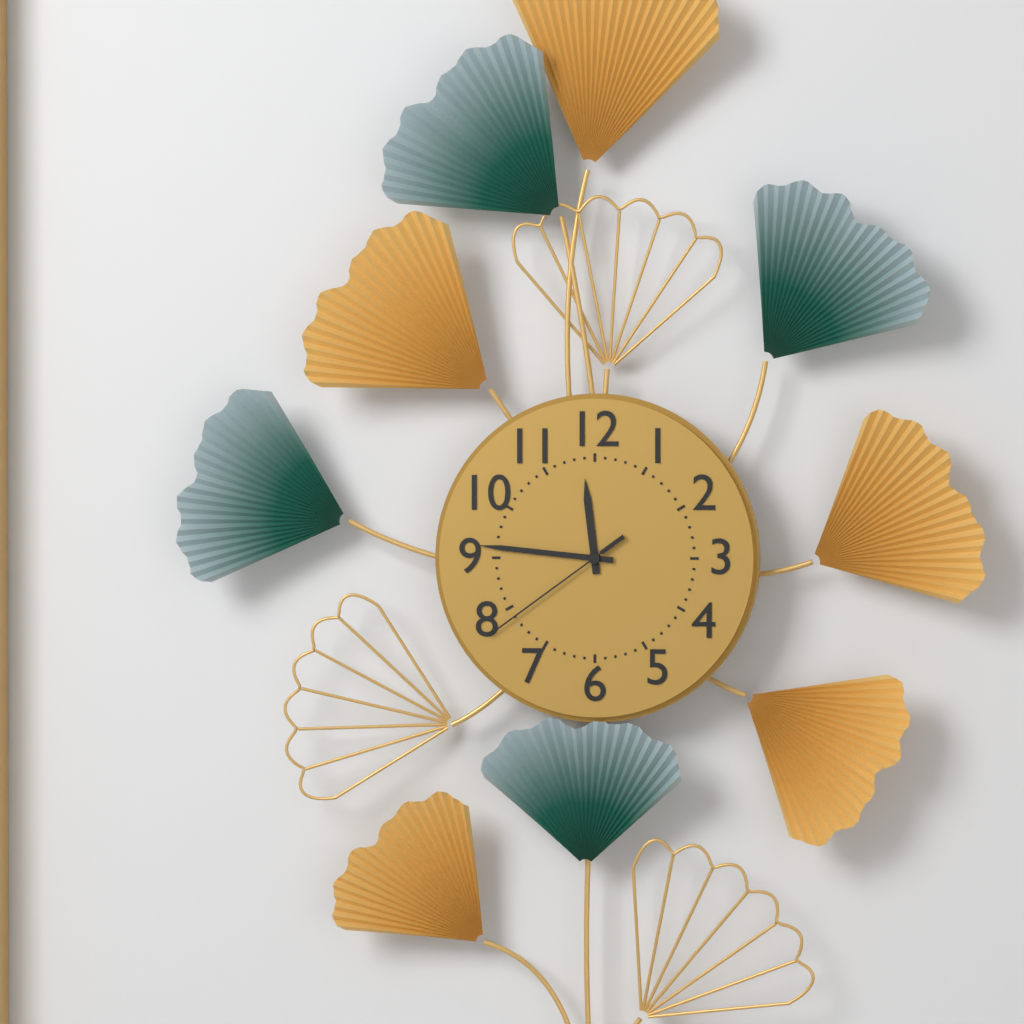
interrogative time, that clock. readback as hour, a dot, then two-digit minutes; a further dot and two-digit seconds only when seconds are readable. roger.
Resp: 11.46.39
